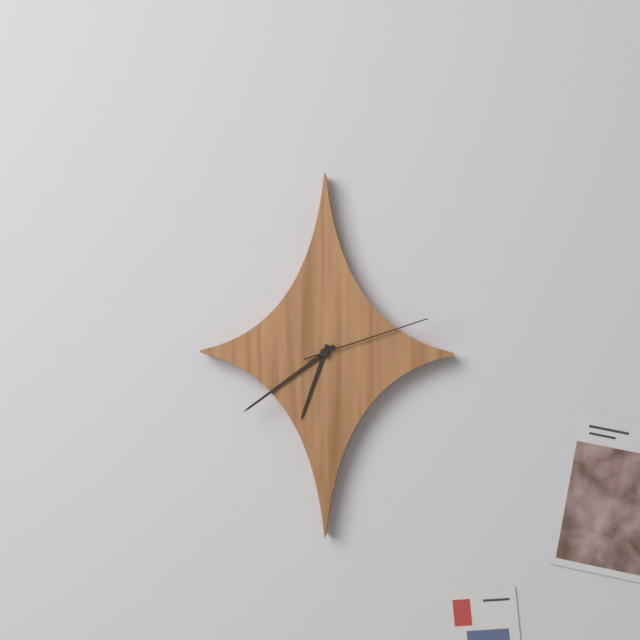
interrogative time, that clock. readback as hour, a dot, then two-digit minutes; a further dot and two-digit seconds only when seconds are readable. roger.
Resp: 6.39.12
